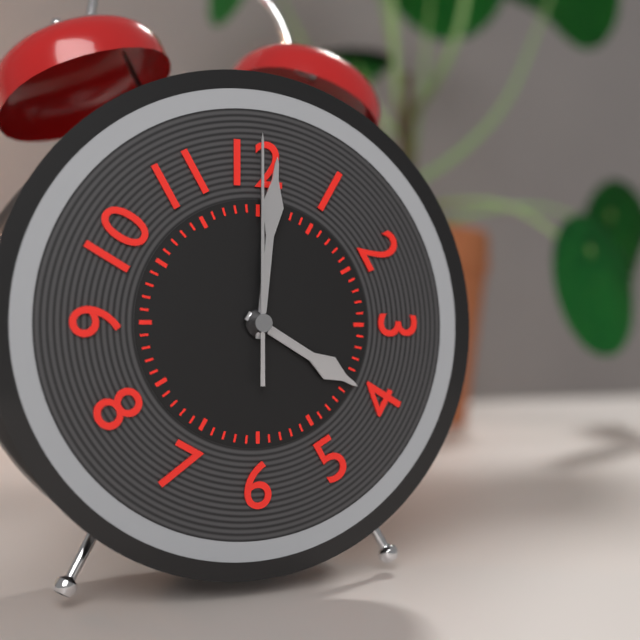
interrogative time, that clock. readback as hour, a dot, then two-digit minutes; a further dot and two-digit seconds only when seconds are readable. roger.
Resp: 4.01.00
